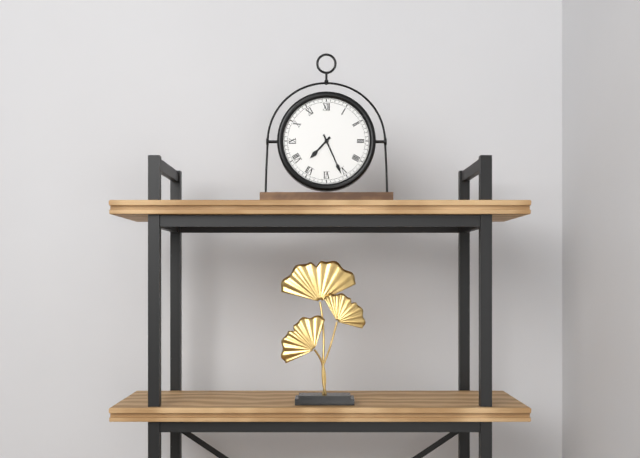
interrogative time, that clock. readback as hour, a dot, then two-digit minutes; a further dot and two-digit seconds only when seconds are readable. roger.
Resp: 7.26
